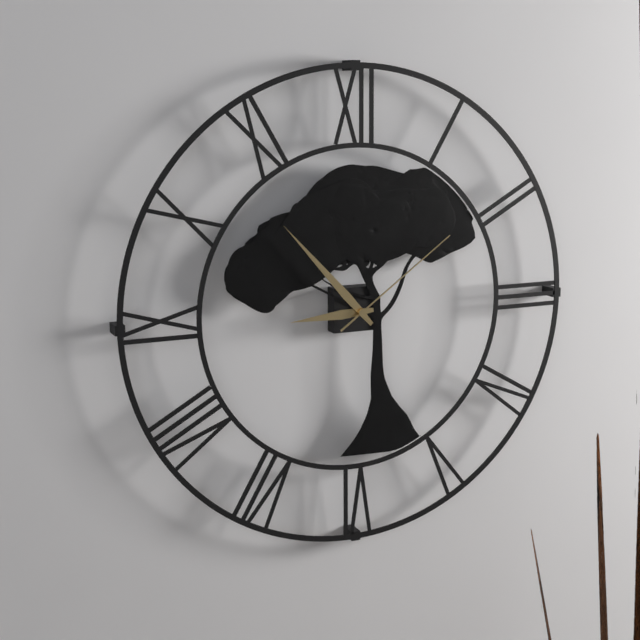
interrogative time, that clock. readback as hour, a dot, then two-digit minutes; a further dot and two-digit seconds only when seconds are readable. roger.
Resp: 8.53.09
